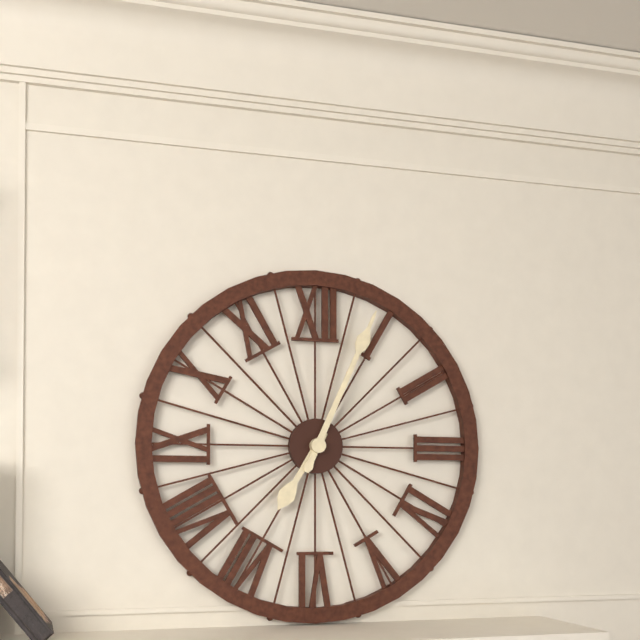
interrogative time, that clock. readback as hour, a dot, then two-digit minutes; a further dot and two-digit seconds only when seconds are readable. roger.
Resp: 7.04
